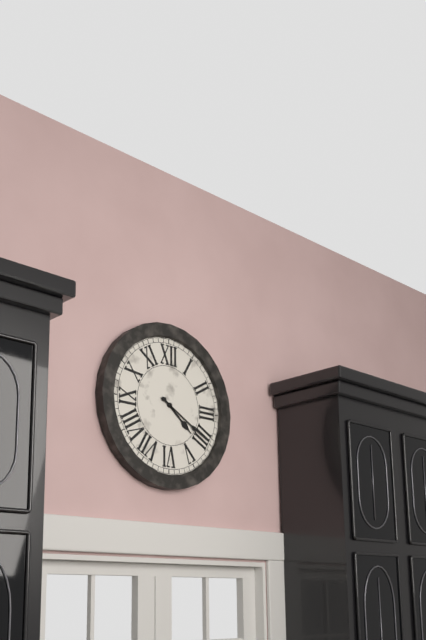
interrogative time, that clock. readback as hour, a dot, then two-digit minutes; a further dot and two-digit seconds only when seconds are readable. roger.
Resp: 4.20
